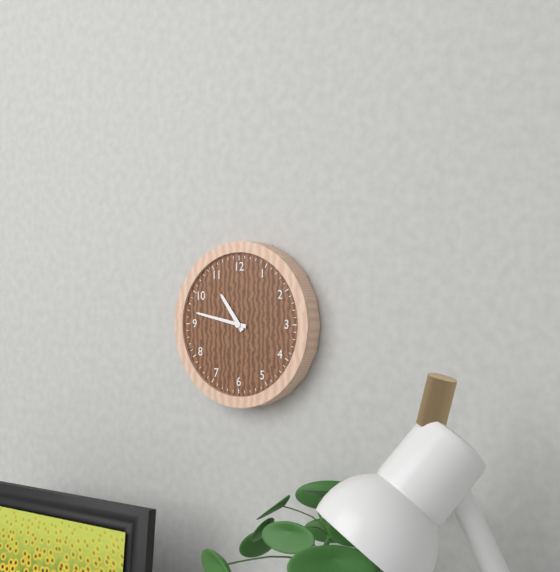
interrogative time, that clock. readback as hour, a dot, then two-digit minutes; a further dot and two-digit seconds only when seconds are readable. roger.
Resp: 10.47
